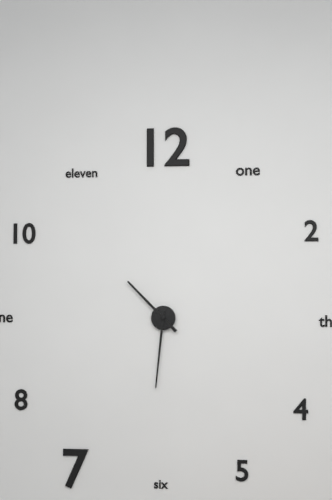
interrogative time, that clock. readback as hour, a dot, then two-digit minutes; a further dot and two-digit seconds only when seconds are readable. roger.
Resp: 10.31
